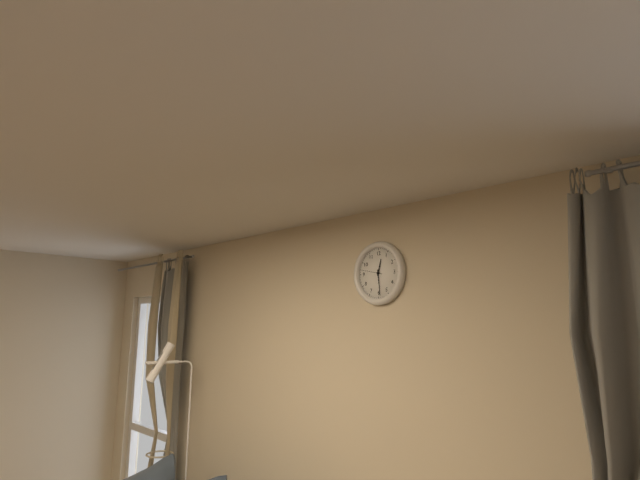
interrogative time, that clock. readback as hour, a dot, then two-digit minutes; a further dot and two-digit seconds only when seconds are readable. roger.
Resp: 12.29
